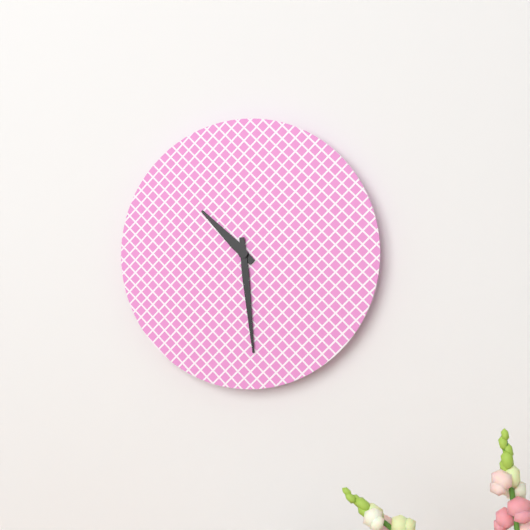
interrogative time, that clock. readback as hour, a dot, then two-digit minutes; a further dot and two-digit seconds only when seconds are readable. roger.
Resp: 10.29
